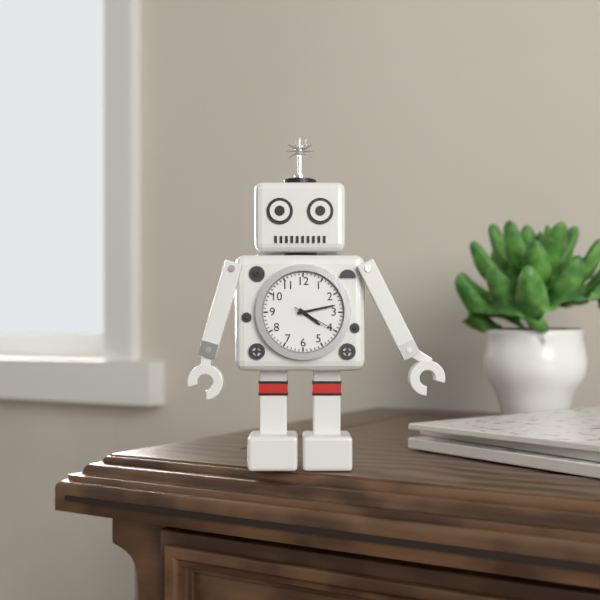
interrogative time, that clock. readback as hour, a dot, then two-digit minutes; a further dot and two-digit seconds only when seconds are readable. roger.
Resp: 4.13
